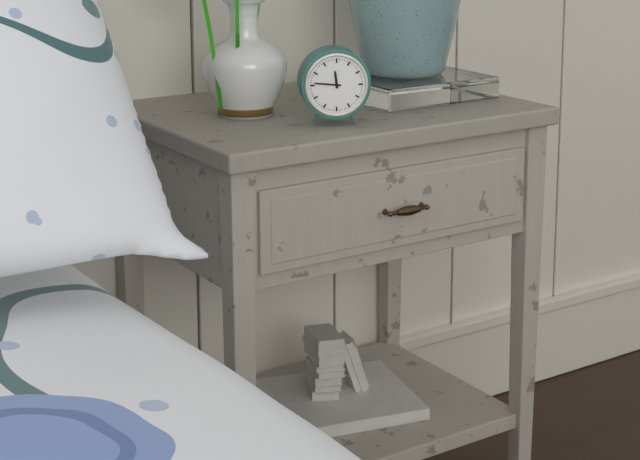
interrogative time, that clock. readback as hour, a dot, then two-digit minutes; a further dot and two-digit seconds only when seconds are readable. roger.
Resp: 11.46
